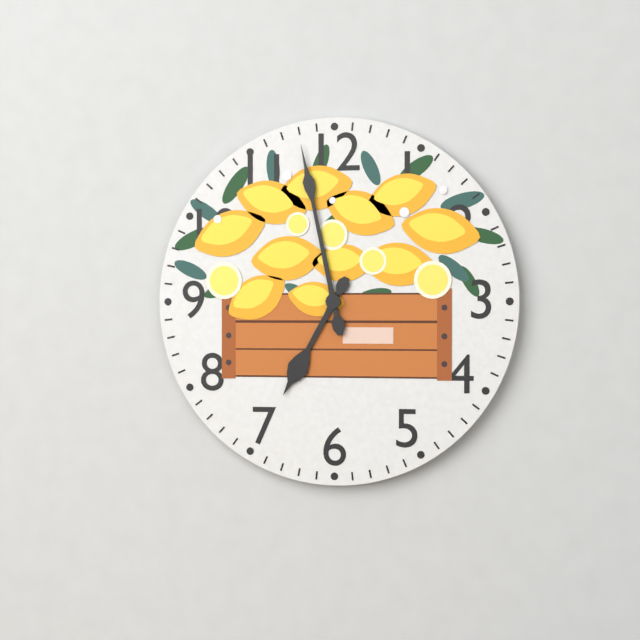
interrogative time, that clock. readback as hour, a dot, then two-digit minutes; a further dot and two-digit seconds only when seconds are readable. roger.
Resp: 6.58
